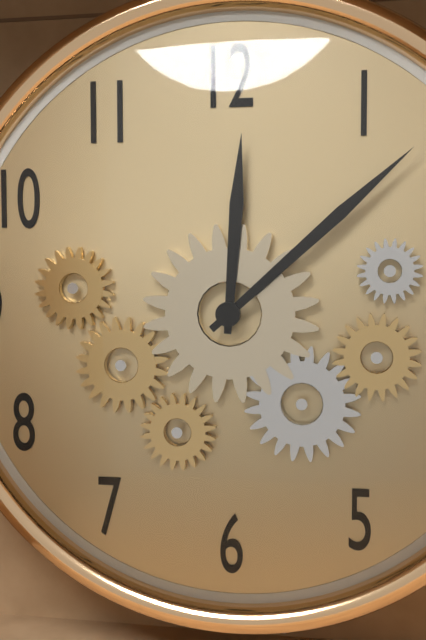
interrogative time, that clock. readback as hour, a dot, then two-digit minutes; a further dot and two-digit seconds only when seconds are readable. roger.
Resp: 12.08
